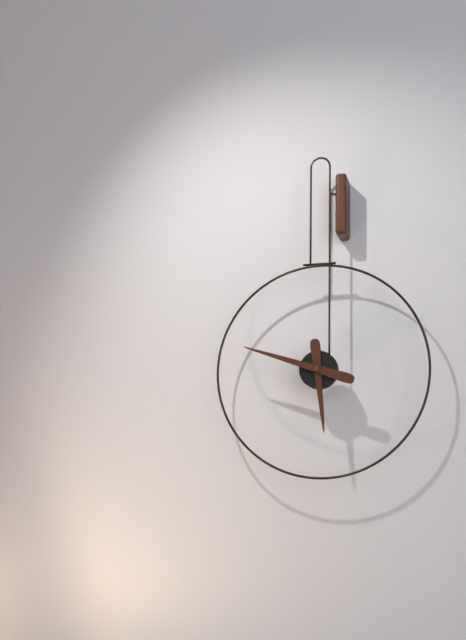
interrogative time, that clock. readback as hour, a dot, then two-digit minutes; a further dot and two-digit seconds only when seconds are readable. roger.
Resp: 5.48
